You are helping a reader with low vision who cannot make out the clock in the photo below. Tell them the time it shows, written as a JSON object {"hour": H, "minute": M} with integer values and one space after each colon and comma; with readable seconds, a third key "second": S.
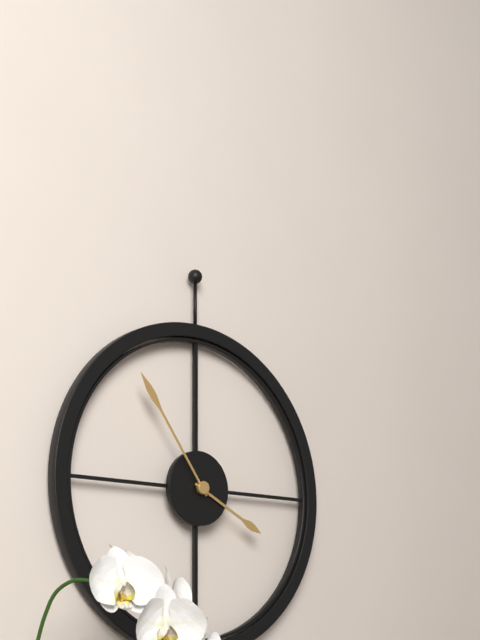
{"hour": 3, "minute": 54}
